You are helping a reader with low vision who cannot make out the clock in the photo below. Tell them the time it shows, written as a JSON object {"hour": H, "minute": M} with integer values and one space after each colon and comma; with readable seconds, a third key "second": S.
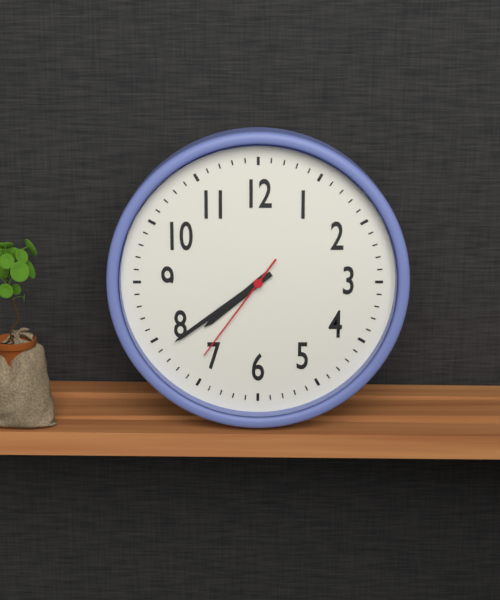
{"hour": 7, "minute": 39, "second": 36}
